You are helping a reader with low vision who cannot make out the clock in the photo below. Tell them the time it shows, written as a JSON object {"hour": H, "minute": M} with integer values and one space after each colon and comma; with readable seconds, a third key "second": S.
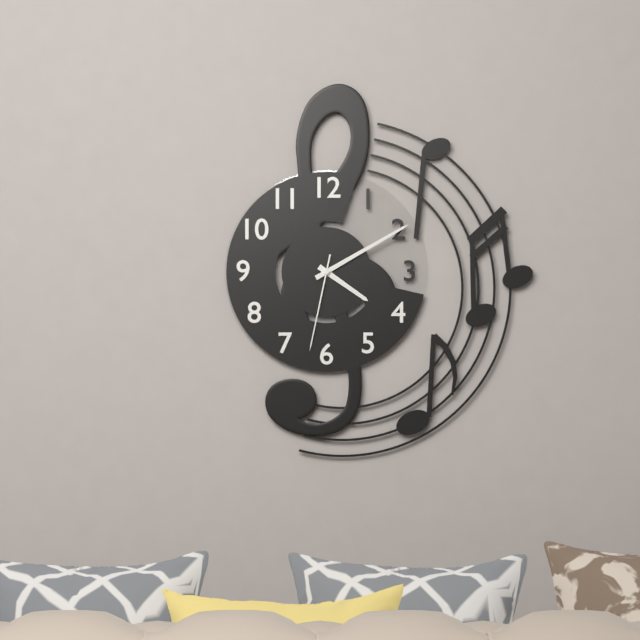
{"hour": 4, "minute": 10, "second": 32}
